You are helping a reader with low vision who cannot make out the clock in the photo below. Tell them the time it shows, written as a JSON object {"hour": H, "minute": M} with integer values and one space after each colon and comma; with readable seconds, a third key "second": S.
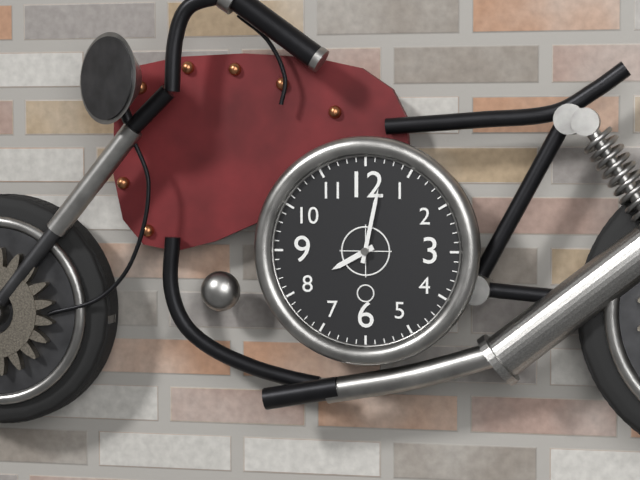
{"hour": 8, "minute": 2}
